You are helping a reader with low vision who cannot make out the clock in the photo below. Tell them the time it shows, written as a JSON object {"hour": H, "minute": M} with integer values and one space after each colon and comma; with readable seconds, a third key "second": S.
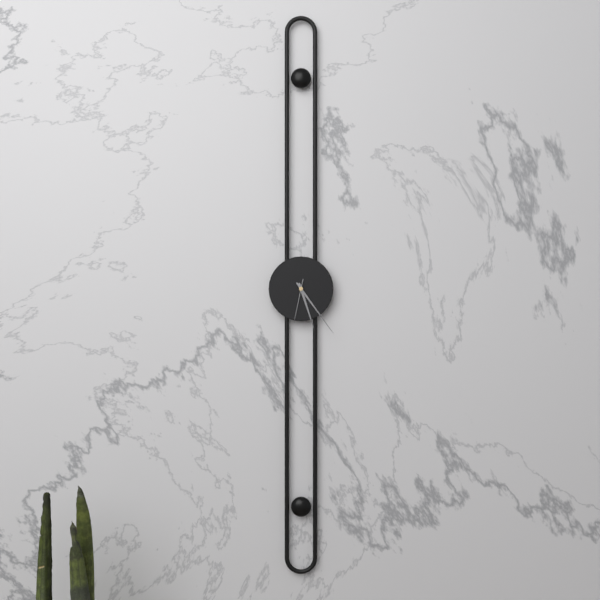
{"hour": 5, "minute": 24}
